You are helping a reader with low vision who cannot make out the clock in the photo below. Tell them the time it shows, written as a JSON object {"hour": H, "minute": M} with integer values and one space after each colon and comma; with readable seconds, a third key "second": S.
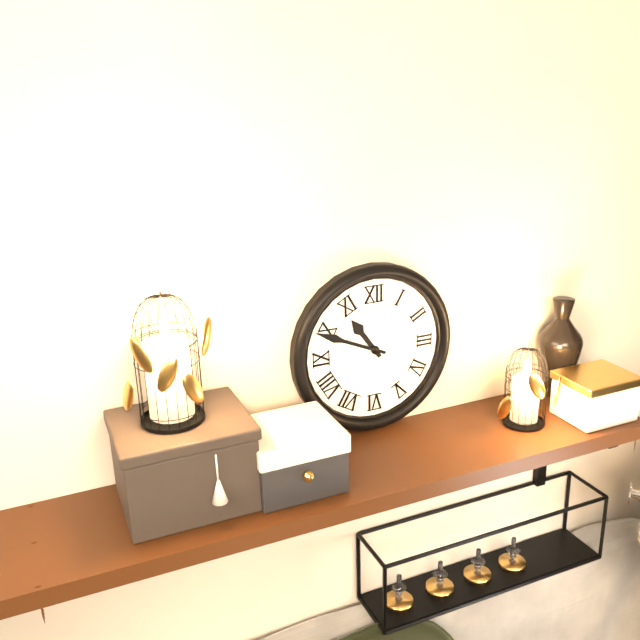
{"hour": 10, "minute": 49}
